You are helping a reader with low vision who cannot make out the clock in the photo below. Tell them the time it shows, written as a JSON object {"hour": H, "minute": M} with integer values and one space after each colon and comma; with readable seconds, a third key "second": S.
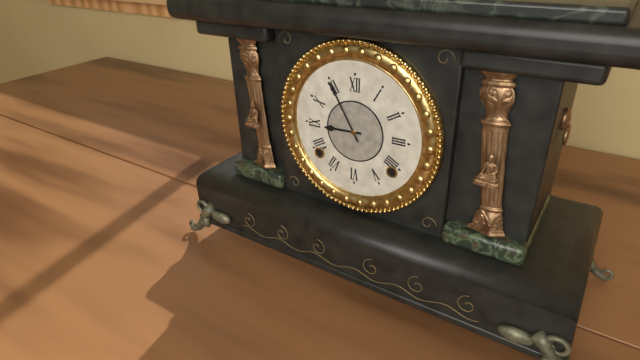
{"hour": 8, "minute": 55}
